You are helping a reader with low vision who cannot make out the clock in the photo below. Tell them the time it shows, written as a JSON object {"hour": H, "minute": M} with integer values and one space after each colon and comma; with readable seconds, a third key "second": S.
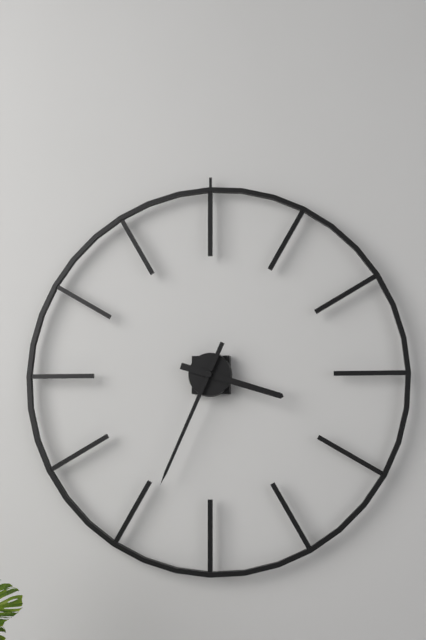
{"hour": 3, "minute": 34}
